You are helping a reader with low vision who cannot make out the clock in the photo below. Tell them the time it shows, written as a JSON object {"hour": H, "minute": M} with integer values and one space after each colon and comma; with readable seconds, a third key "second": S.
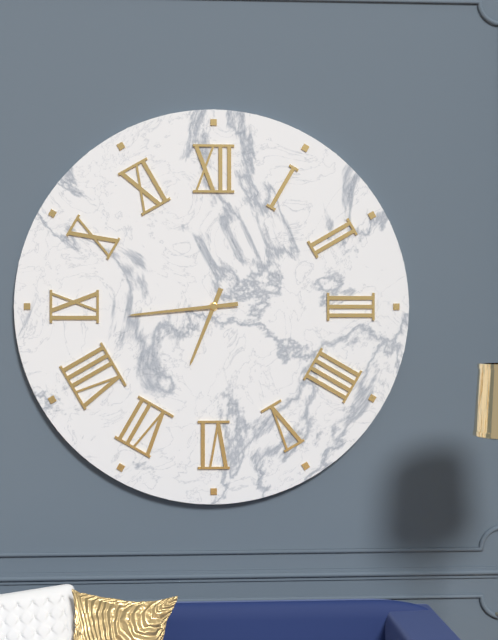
{"hour": 6, "minute": 44}
